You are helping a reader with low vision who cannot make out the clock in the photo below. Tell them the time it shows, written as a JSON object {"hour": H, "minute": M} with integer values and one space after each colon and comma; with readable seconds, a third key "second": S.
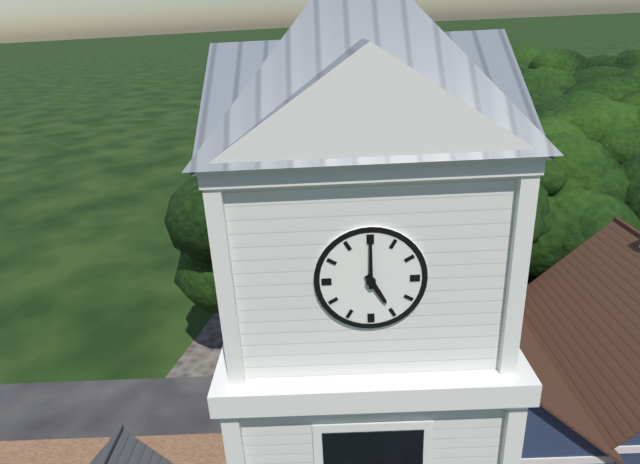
{"hour": 5, "minute": 0}
